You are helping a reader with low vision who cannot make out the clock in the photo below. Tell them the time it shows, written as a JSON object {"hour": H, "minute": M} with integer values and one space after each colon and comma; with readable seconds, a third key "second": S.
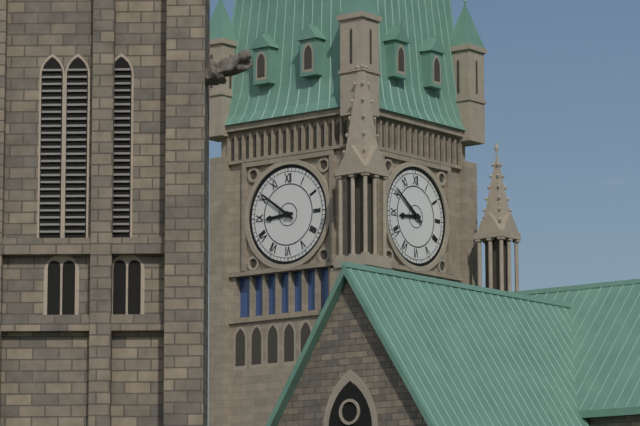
{"hour": 8, "minute": 51}
